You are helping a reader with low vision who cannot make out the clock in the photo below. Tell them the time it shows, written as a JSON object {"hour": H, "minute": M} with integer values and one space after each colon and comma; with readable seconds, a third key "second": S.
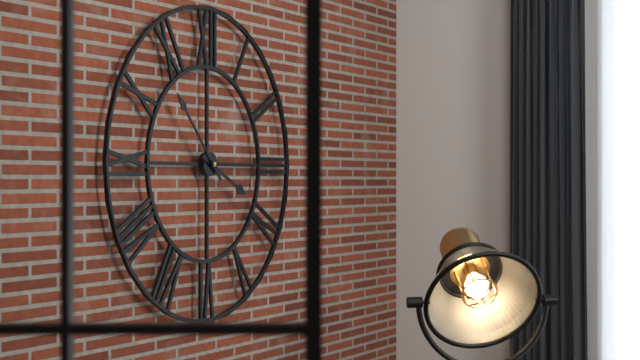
{"hour": 3, "minute": 53}
